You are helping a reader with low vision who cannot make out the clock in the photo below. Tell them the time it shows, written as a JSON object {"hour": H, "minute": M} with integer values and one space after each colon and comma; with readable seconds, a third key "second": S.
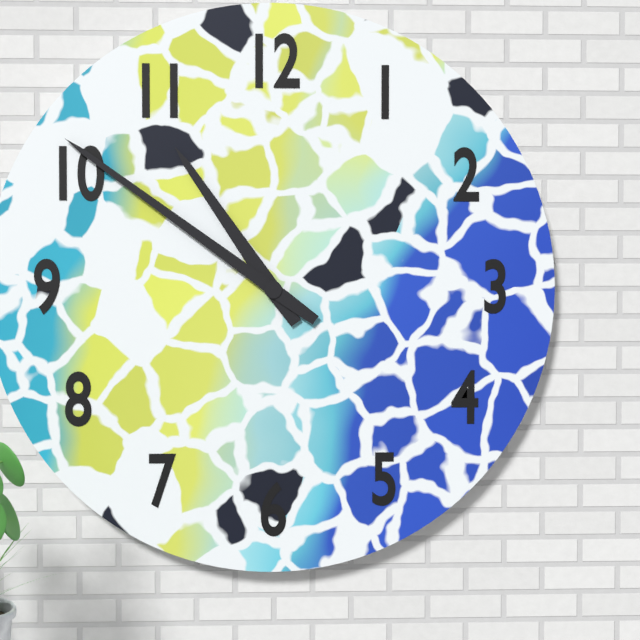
{"hour": 10, "minute": 51}
